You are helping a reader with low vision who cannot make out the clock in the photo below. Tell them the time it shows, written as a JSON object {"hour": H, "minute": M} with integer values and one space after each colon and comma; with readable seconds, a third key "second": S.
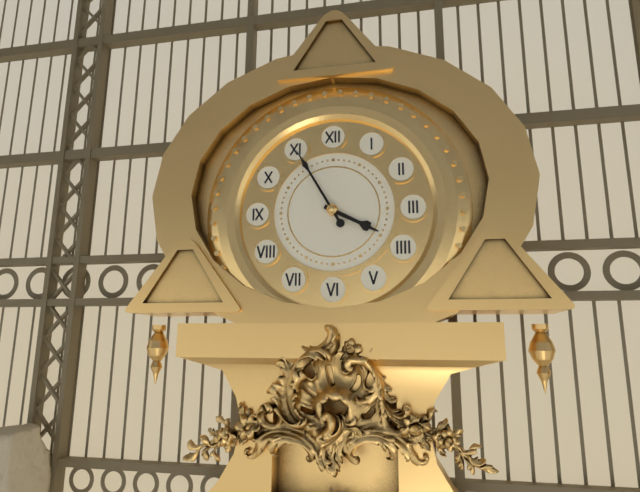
{"hour": 3, "minute": 55}
